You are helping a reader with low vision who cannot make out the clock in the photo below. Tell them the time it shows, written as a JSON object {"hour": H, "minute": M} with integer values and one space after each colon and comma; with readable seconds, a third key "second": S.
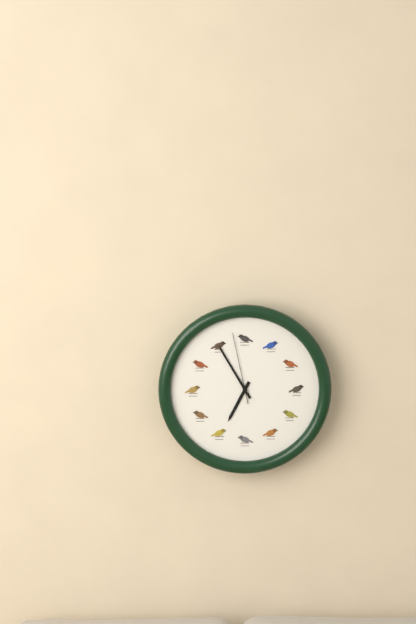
{"hour": 6, "minute": 55, "second": 58}
